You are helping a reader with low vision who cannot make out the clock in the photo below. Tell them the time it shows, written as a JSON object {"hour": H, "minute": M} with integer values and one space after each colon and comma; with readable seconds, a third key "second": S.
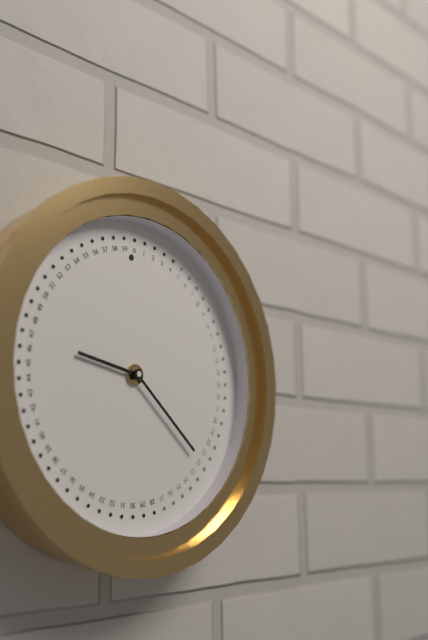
{"hour": 9, "minute": 22}
